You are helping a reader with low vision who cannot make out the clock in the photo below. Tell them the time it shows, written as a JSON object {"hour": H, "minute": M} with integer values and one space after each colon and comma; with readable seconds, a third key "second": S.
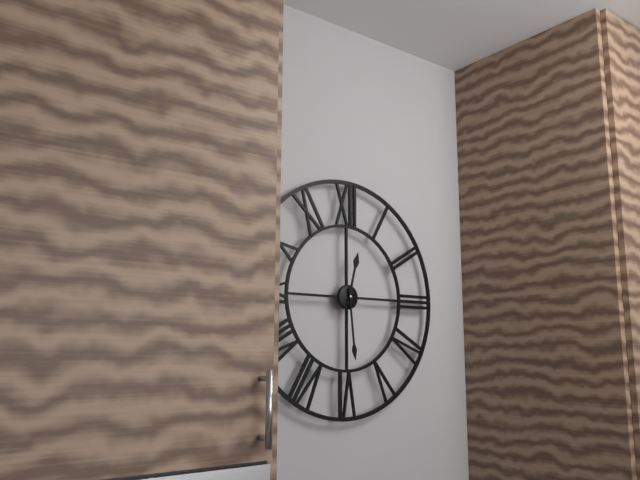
{"hour": 12, "minute": 29}
